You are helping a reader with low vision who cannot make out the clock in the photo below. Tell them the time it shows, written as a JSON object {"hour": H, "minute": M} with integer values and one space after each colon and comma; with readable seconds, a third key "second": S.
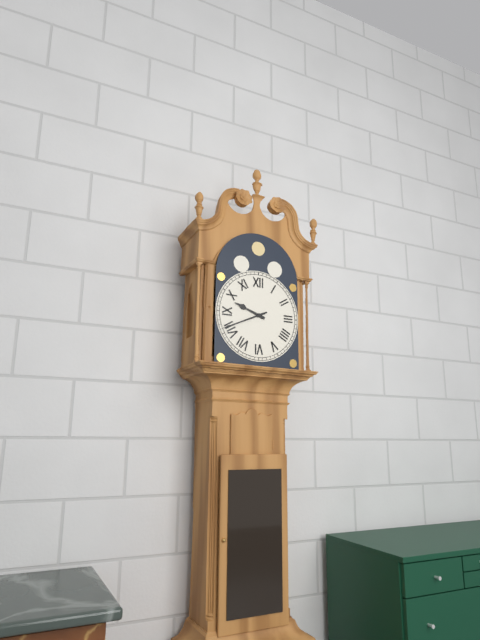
{"hour": 9, "minute": 41}
